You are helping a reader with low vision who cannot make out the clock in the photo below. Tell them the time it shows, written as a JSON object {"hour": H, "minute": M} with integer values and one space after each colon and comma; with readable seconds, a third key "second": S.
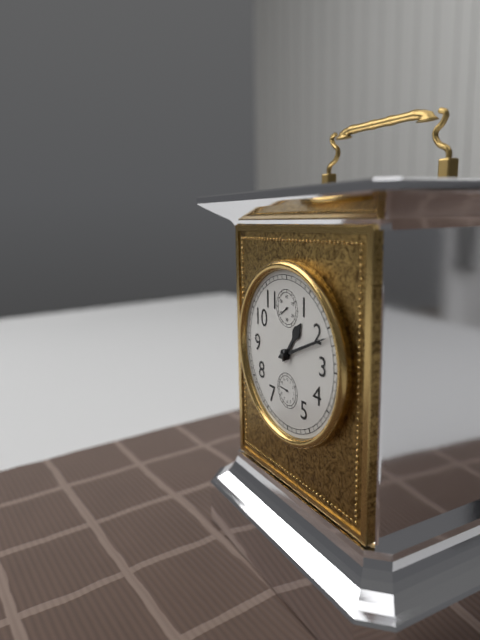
{"hour": 1, "minute": 11}
